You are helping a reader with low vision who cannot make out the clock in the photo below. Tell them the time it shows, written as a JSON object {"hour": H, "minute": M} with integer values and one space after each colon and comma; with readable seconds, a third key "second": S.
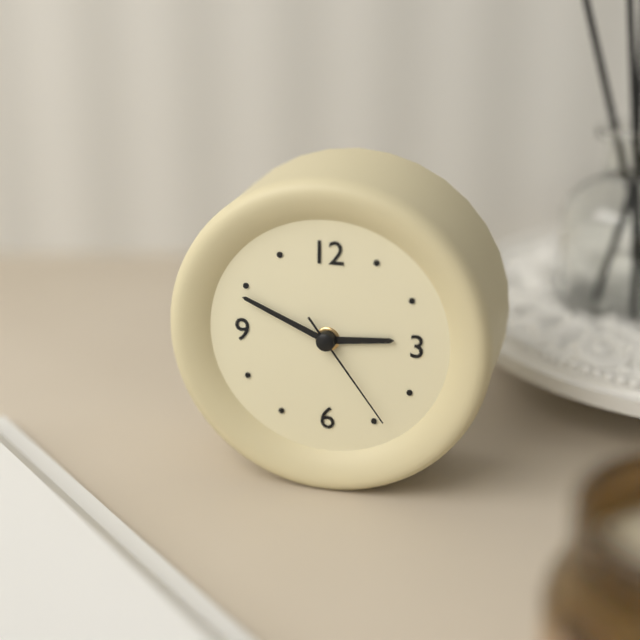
{"hour": 2, "minute": 49, "second": 24}
